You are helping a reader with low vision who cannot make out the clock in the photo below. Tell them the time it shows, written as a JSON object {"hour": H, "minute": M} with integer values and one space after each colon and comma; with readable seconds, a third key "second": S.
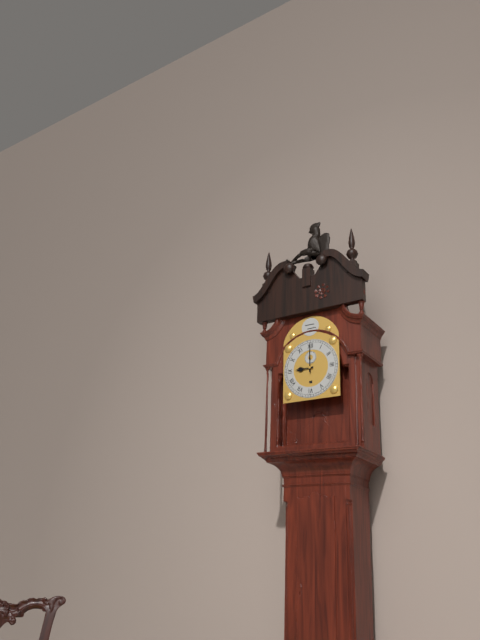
{"hour": 9, "minute": 0}
